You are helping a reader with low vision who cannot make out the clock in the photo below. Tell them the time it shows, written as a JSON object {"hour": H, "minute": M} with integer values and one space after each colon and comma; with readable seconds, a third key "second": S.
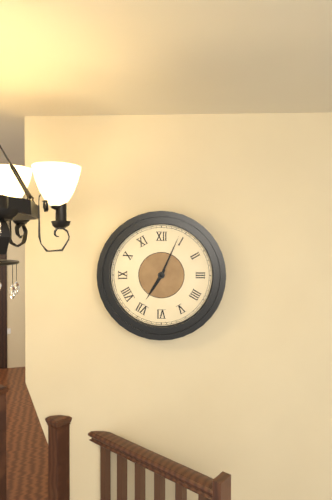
{"hour": 7, "minute": 4}
